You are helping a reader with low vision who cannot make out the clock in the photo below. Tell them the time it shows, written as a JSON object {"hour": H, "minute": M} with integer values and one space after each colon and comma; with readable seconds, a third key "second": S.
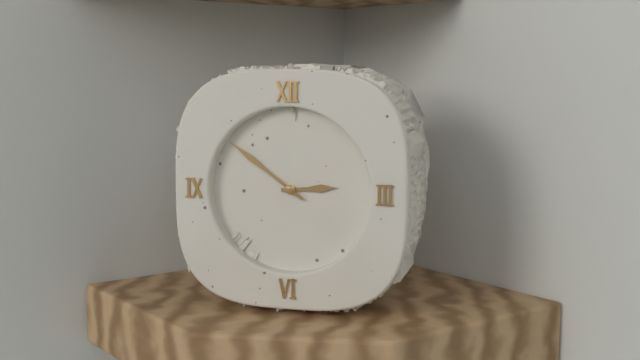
{"hour": 2, "minute": 51}
